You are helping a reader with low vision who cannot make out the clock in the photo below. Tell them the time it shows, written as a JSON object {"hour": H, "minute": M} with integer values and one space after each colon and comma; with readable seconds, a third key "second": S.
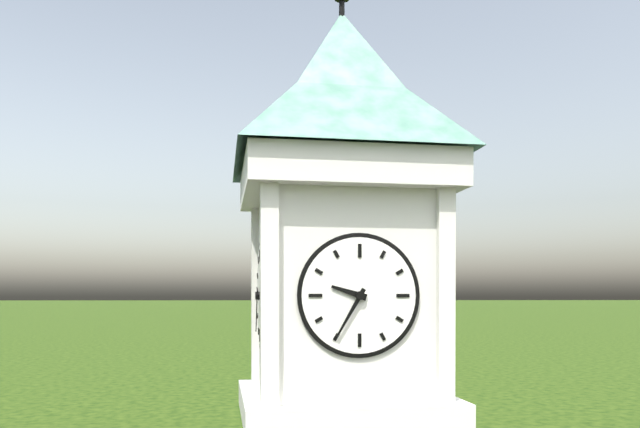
{"hour": 9, "minute": 35}
